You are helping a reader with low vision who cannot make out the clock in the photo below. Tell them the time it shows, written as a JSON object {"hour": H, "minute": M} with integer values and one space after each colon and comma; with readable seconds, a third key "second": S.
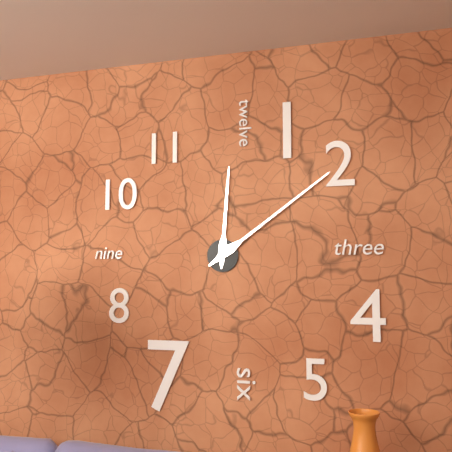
{"hour": 12, "minute": 9}
